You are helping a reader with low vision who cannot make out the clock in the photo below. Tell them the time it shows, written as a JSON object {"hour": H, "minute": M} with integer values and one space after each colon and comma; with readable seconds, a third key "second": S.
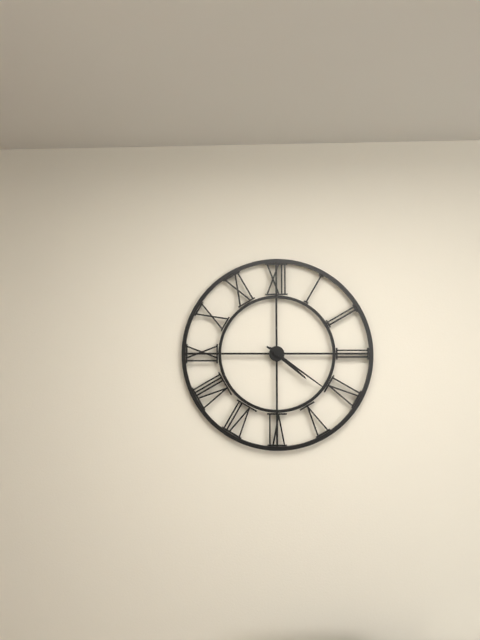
{"hour": 4, "minute": 21}
